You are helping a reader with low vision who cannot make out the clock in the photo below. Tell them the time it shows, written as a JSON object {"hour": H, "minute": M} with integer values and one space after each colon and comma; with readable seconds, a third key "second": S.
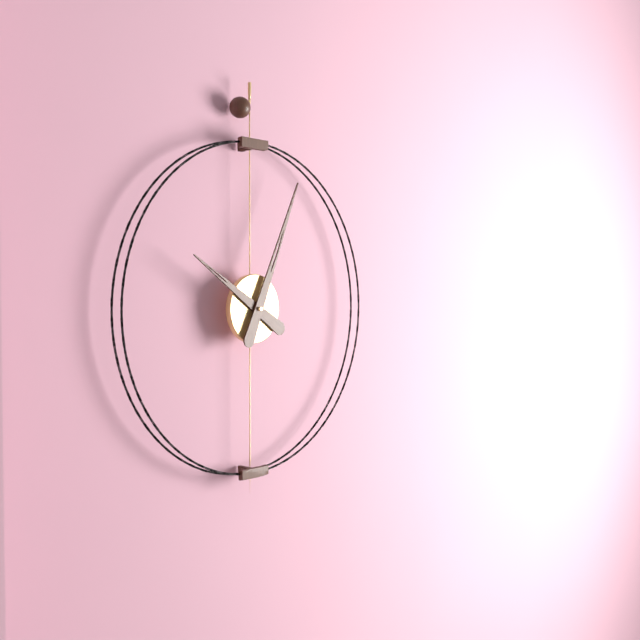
{"hour": 10, "minute": 4}
